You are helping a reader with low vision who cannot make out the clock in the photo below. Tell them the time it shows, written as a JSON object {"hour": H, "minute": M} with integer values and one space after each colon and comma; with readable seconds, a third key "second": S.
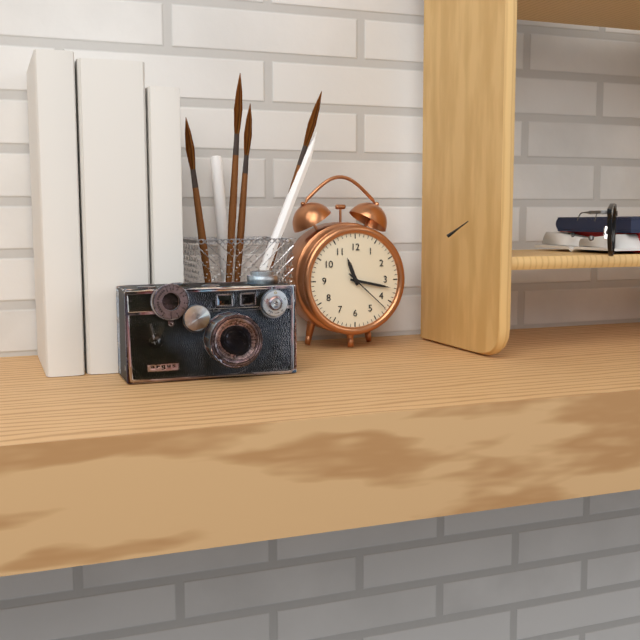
{"hour": 11, "minute": 17}
